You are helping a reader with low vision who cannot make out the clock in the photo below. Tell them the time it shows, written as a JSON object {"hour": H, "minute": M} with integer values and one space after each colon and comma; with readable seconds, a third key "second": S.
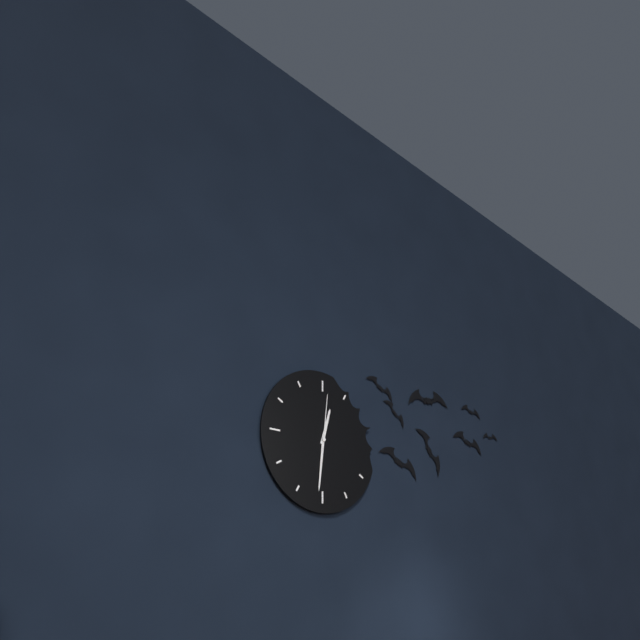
{"hour": 12, "minute": 31, "second": 1}
